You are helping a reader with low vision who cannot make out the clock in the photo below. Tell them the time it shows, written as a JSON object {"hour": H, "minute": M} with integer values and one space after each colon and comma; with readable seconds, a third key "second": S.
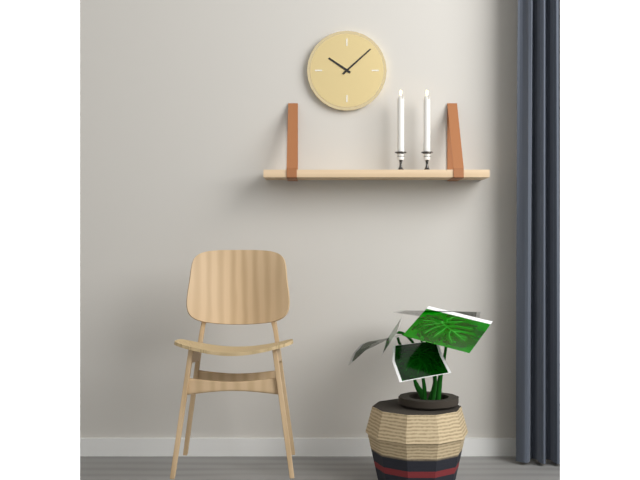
{"hour": 10, "minute": 8}
